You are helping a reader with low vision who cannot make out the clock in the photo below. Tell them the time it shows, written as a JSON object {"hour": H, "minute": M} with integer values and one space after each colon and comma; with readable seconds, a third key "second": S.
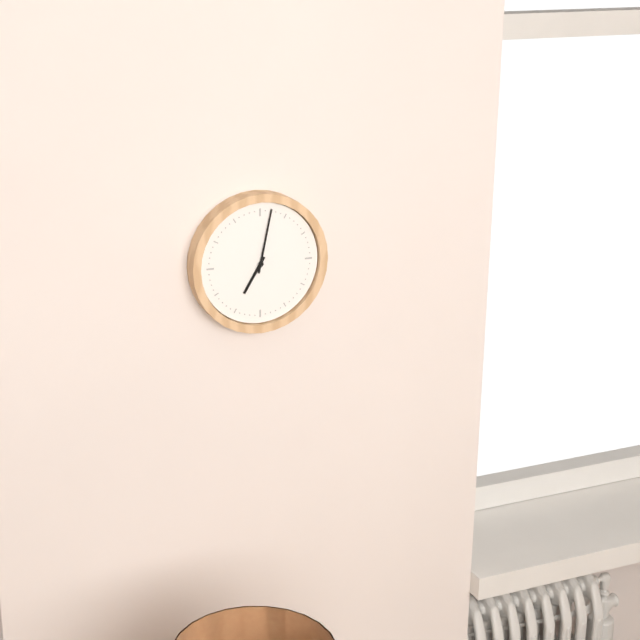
{"hour": 7, "minute": 2}
